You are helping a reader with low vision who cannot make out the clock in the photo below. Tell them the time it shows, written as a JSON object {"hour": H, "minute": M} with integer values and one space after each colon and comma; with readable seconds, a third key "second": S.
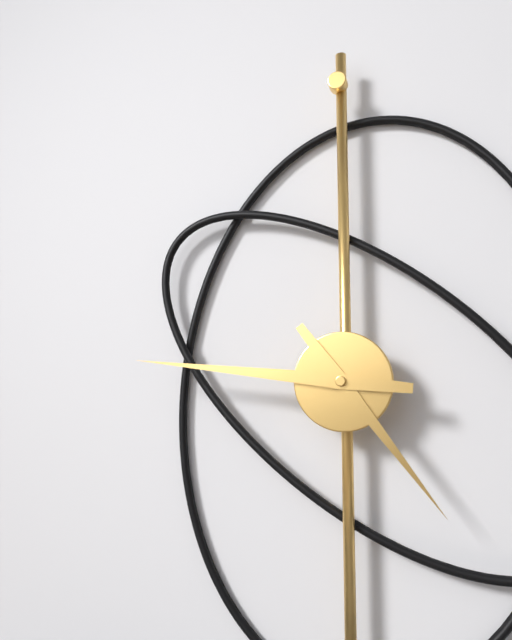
{"hour": 4, "minute": 46}
